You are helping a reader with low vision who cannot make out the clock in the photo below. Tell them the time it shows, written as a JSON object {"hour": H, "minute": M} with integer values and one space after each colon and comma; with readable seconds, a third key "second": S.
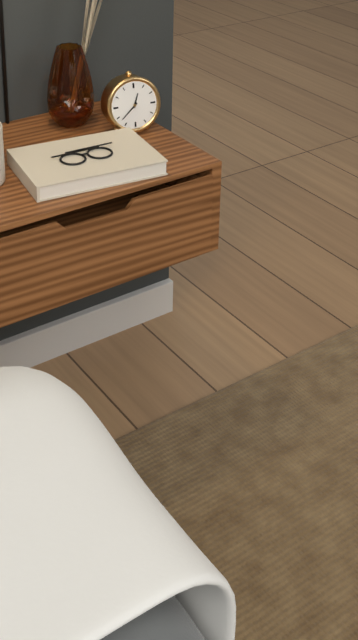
{"hour": 12, "minute": 38}
